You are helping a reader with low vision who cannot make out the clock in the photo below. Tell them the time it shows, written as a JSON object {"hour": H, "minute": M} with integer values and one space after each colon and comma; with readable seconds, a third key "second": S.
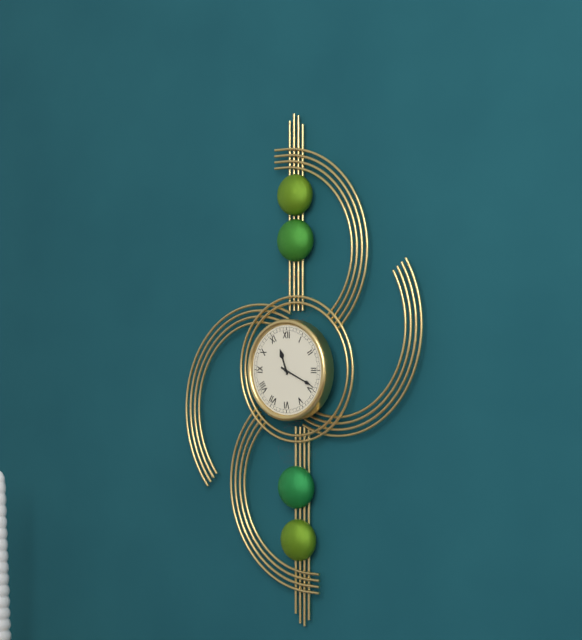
{"hour": 11, "minute": 19}
